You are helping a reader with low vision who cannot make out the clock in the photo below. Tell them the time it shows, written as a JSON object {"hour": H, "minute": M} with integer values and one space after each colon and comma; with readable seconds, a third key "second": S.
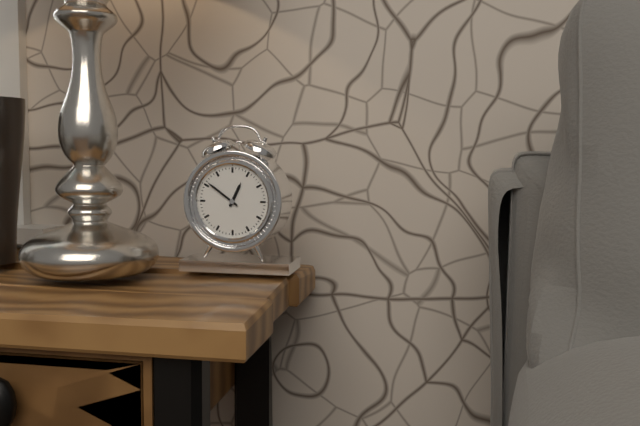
{"hour": 12, "minute": 51}
